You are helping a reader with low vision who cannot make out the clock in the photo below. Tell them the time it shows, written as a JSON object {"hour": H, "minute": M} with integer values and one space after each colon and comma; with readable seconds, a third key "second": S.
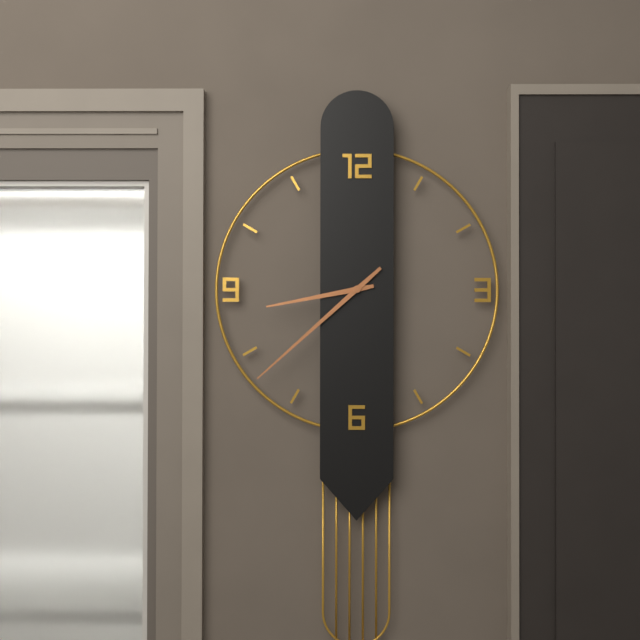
{"hour": 8, "minute": 38}
